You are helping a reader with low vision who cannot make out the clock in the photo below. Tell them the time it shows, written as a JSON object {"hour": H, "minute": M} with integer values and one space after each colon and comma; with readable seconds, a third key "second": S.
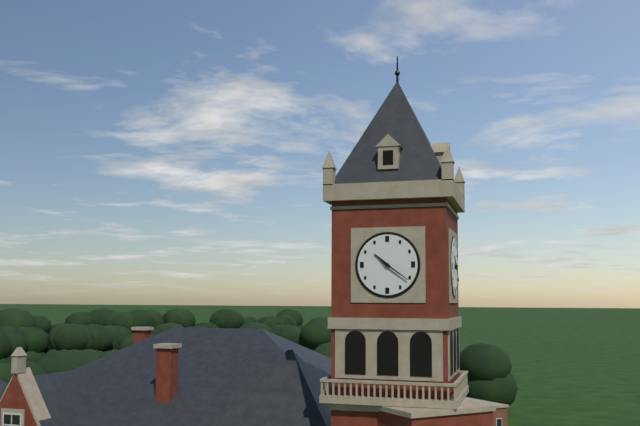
{"hour": 10, "minute": 21}
